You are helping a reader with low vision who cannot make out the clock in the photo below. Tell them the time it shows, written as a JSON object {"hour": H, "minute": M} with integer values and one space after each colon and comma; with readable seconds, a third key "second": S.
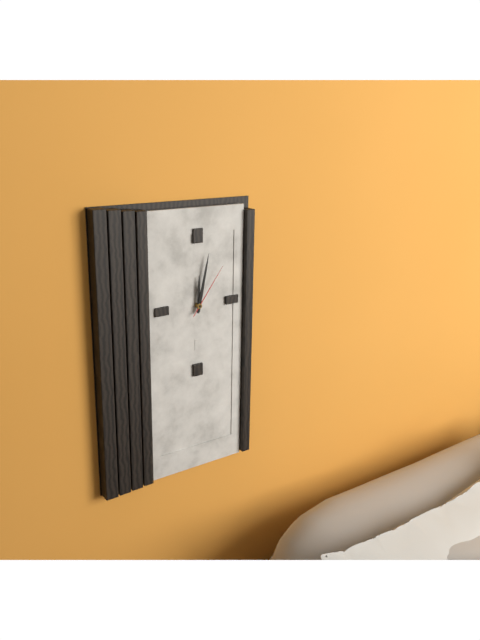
{"hour": 12, "minute": 2, "second": 6}
